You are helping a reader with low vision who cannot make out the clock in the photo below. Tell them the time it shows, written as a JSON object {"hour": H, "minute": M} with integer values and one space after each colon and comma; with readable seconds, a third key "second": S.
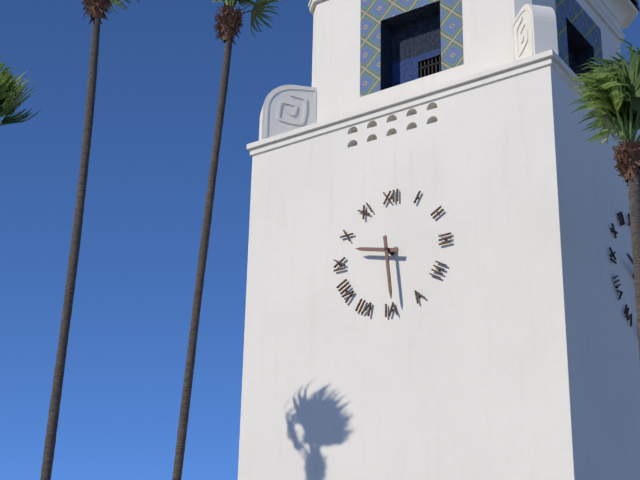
{"hour": 9, "minute": 29}
